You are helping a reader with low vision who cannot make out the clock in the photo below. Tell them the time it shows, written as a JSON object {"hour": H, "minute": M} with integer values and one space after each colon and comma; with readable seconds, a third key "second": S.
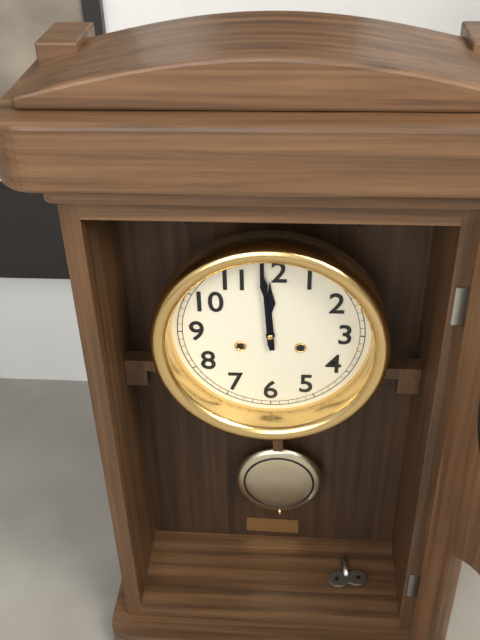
{"hour": 11, "minute": 59}
